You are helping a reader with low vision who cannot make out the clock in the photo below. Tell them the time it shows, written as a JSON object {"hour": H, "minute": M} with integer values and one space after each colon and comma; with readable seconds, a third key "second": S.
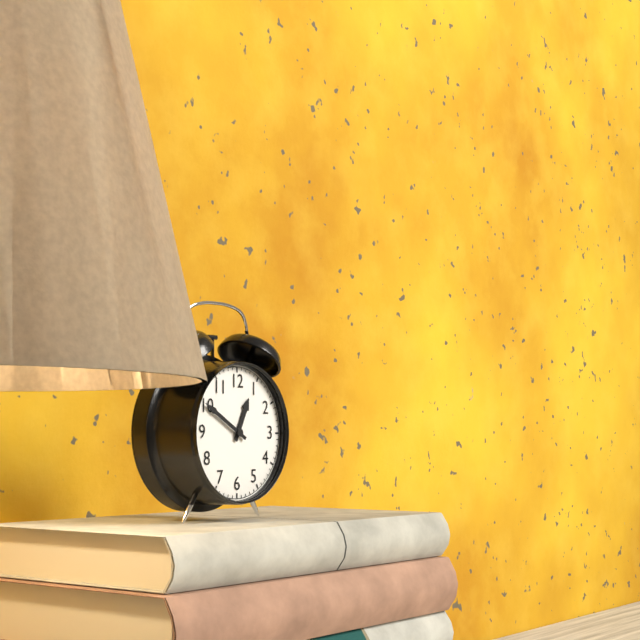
{"hour": 12, "minute": 50}
